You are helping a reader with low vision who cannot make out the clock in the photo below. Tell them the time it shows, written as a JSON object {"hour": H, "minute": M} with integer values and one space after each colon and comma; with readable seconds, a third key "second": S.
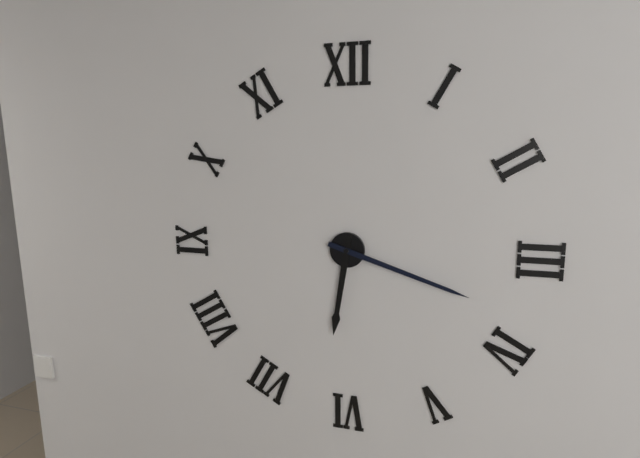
{"hour": 6, "minute": 18}
